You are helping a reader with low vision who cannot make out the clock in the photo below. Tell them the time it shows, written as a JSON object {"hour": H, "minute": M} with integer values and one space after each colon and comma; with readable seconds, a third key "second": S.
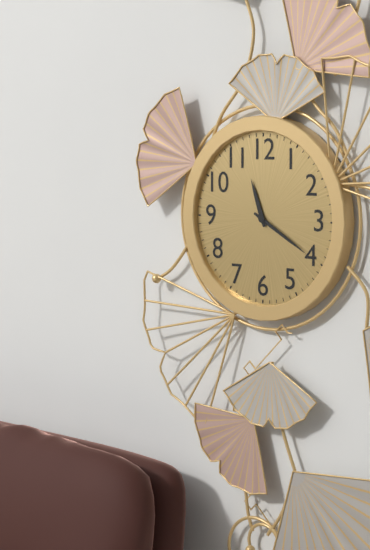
{"hour": 11, "minute": 20}
